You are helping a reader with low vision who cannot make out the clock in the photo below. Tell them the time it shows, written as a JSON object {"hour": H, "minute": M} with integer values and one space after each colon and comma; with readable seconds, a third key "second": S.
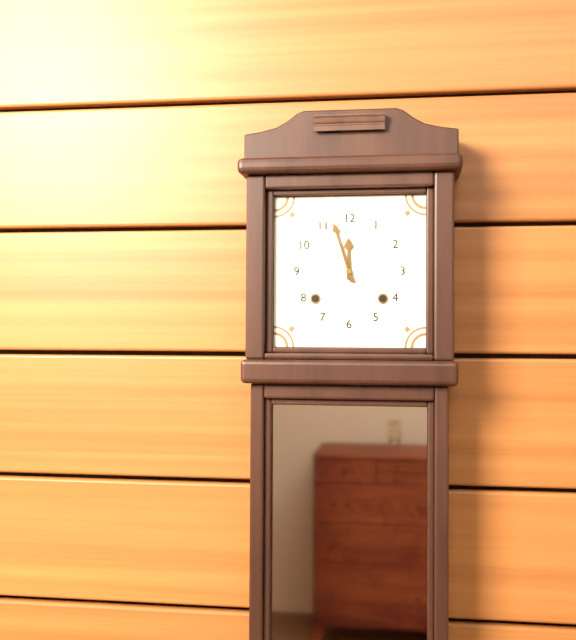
{"hour": 11, "minute": 57}
